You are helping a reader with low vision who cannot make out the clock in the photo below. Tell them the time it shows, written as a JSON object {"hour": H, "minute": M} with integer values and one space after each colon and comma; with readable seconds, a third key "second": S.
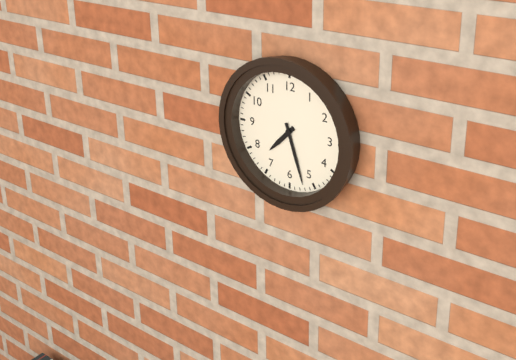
{"hour": 7, "minute": 27}
